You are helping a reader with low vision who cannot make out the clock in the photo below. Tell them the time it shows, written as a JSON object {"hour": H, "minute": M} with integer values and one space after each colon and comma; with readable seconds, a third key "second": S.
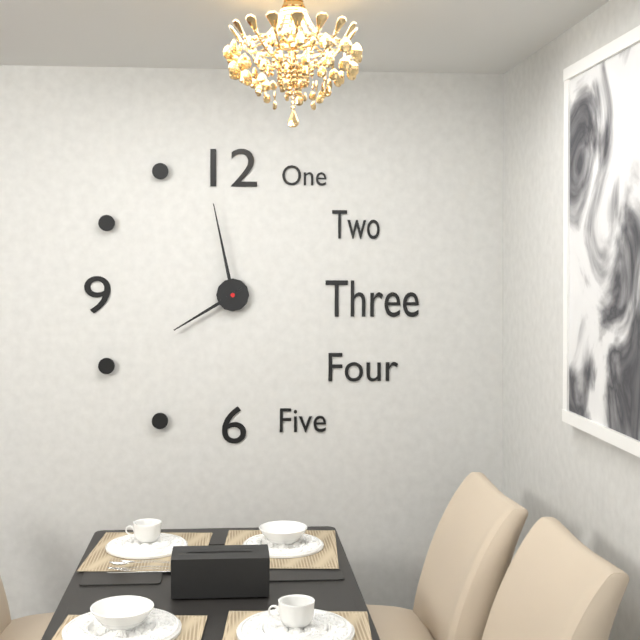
{"hour": 7, "minute": 58}
